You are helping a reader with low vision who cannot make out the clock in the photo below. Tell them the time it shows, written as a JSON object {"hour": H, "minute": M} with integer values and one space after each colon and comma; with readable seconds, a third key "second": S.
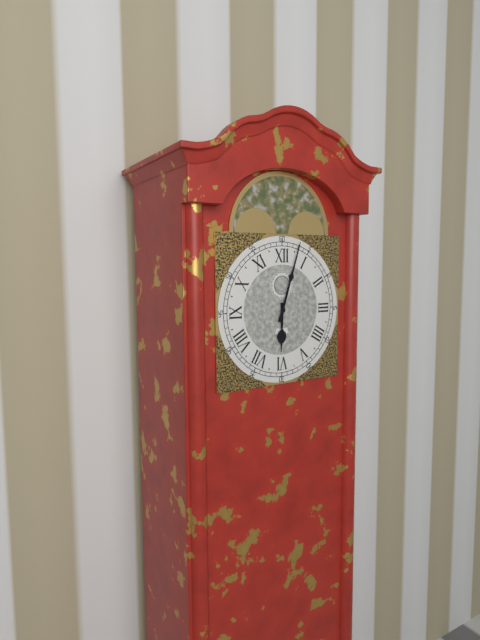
{"hour": 6, "minute": 3}
